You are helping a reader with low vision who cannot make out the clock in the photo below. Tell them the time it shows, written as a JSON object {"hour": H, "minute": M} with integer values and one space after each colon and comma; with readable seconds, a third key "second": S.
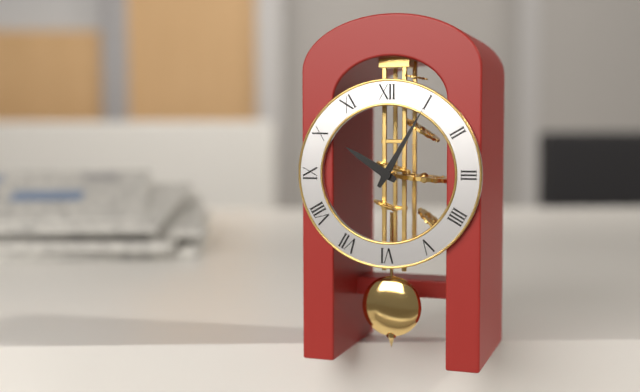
{"hour": 10, "minute": 5}
